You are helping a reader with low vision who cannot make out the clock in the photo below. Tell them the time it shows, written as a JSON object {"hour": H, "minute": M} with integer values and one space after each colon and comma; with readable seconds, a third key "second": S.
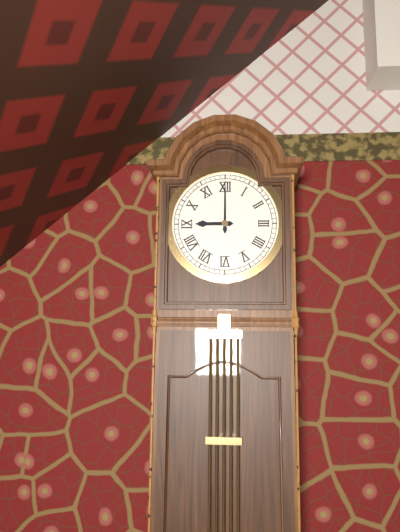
{"hour": 9, "minute": 0}
